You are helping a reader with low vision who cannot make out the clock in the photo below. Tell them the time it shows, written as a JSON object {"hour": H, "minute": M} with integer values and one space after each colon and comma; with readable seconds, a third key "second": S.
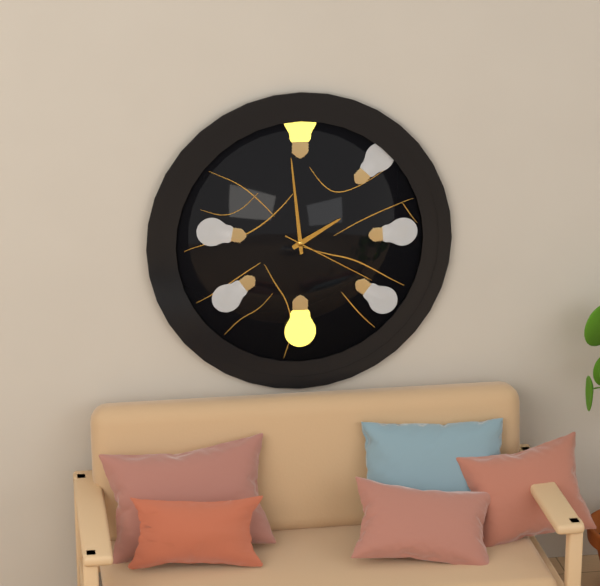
{"hour": 1, "minute": 59, "second": 20}
